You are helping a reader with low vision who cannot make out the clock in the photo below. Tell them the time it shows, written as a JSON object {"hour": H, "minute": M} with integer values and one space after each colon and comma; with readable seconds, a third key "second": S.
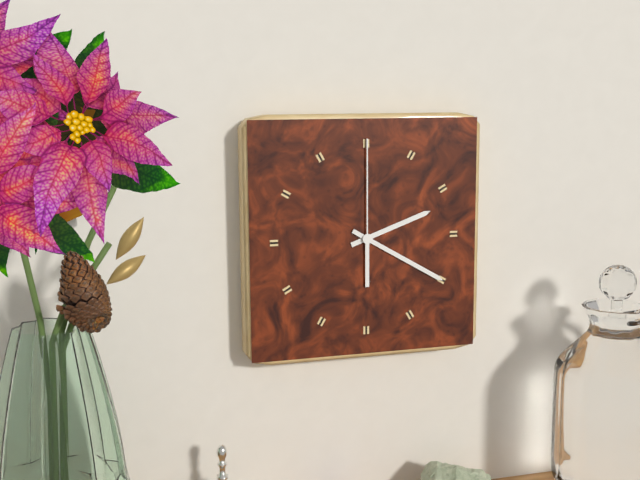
{"hour": 2, "minute": 20, "second": 0}
